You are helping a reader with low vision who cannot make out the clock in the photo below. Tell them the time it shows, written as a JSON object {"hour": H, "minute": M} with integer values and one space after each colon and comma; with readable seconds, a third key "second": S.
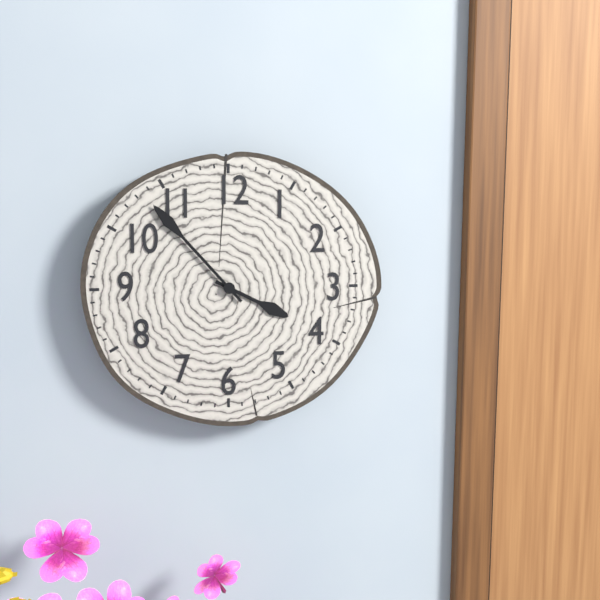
{"hour": 3, "minute": 53}
